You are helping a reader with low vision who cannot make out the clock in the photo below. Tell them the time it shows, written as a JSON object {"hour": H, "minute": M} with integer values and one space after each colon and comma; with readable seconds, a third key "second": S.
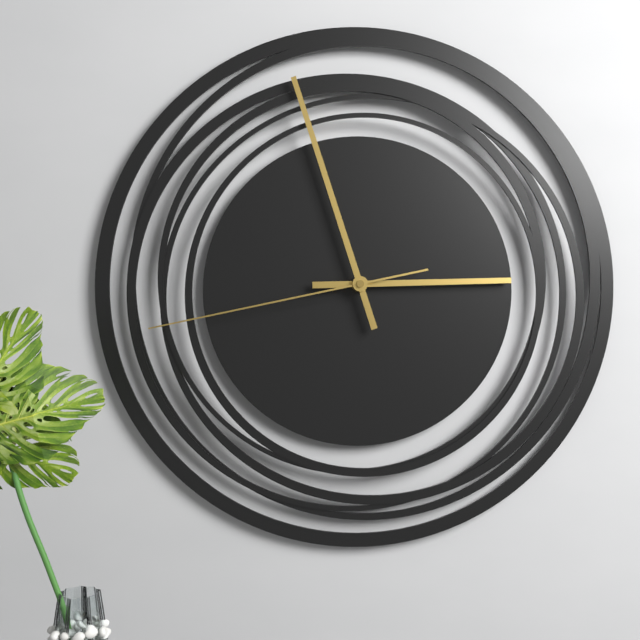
{"hour": 2, "minute": 57, "second": 43}
